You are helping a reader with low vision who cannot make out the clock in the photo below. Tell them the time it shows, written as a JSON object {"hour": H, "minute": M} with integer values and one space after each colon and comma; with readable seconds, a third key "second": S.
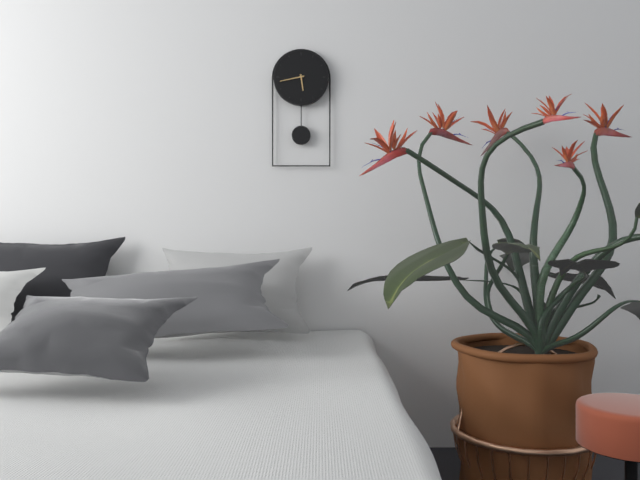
{"hour": 5, "minute": 43}
